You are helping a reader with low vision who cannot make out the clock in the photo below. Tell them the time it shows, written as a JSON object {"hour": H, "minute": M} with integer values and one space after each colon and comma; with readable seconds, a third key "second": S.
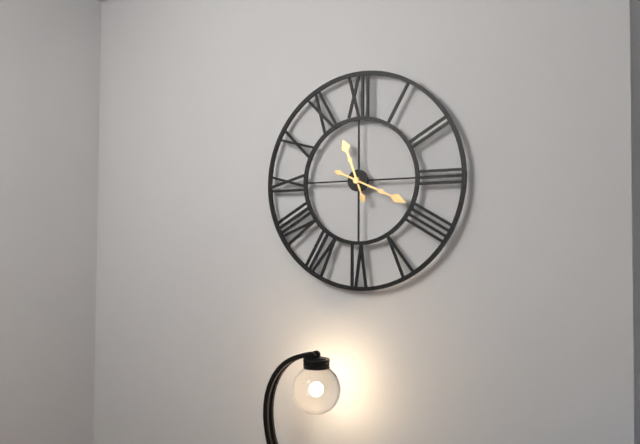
{"hour": 11, "minute": 19}
